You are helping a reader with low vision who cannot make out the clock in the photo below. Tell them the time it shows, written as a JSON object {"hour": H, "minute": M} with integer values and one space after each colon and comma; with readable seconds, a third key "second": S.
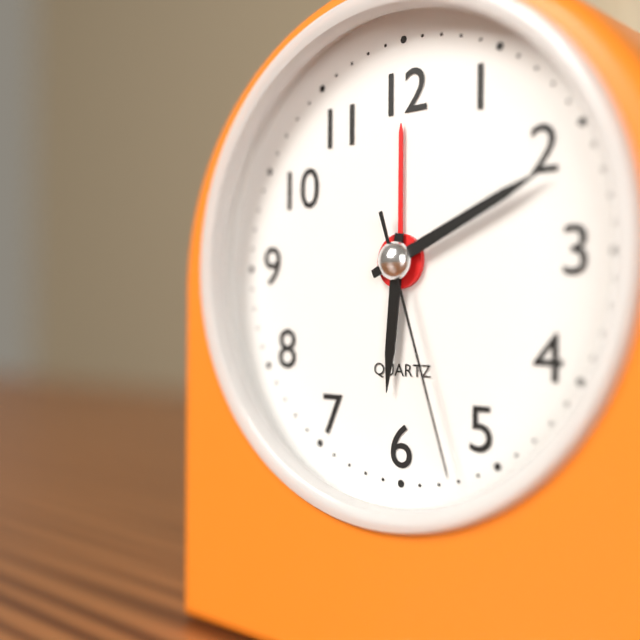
{"hour": 6, "minute": 11, "second": 27}
